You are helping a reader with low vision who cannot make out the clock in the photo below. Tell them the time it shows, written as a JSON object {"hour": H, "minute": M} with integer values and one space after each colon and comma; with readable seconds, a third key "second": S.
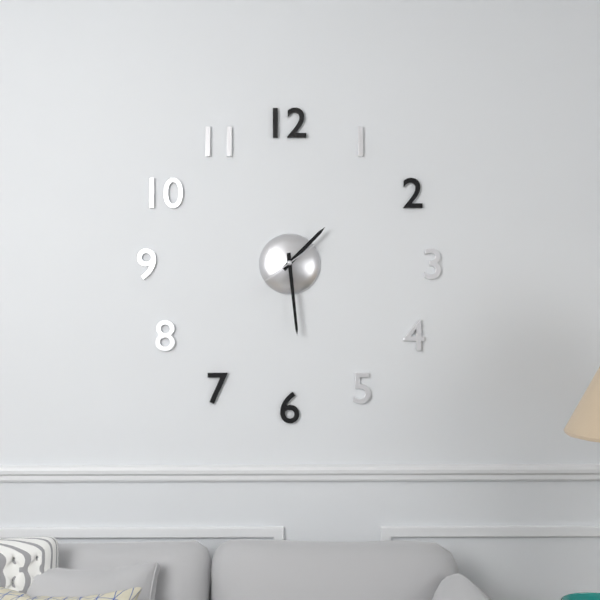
{"hour": 1, "minute": 29, "second": 39}
